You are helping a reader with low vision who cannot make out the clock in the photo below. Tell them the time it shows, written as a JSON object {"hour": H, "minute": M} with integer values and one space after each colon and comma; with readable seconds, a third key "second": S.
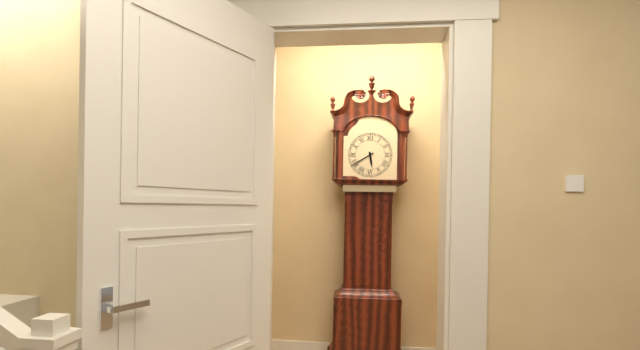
{"hour": 5, "minute": 40}
